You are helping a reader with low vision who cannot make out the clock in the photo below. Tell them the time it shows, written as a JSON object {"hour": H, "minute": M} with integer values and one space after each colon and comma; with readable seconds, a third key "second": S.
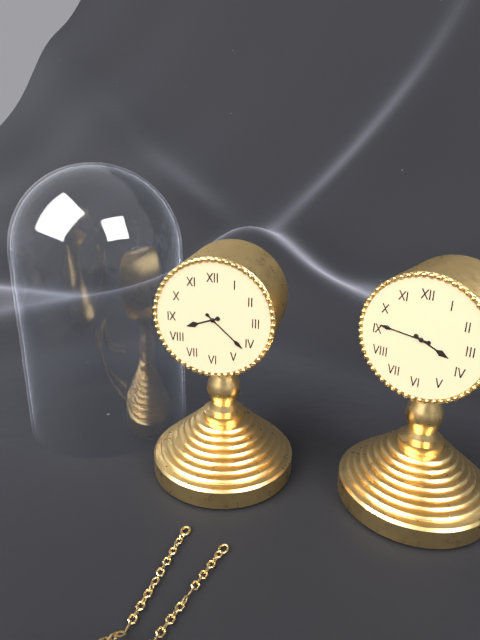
{"hour": 8, "minute": 22}
